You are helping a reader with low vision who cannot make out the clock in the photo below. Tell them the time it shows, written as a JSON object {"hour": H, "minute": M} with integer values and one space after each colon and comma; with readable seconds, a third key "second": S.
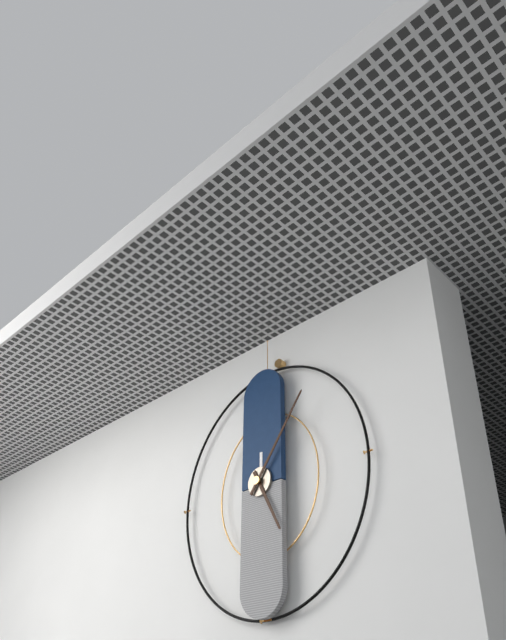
{"hour": 5, "minute": 6}
